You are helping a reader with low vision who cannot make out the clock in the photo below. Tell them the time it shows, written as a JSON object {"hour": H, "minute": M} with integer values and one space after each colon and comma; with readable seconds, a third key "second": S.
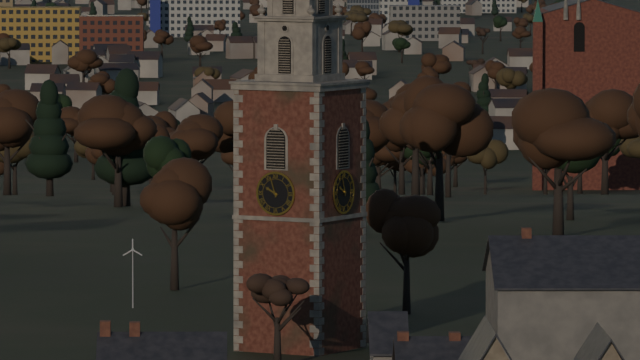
{"hour": 9, "minute": 57}
